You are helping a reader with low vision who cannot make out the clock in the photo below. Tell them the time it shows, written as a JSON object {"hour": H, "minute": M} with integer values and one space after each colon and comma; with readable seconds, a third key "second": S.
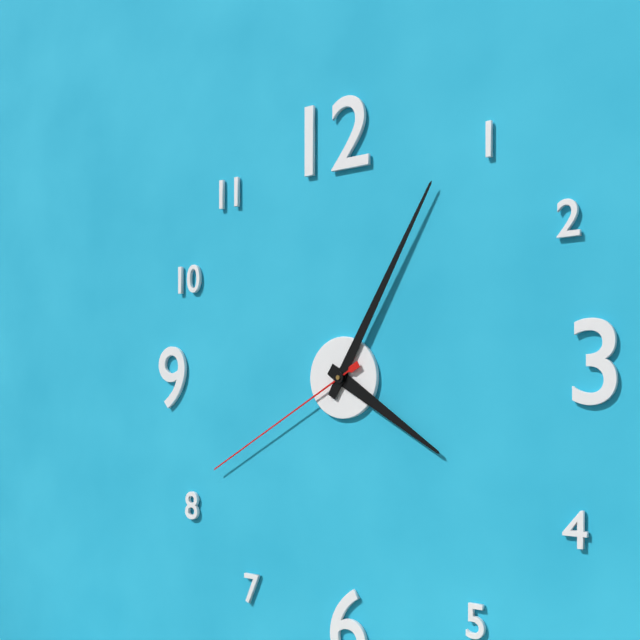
{"hour": 4, "minute": 5, "second": 40}
